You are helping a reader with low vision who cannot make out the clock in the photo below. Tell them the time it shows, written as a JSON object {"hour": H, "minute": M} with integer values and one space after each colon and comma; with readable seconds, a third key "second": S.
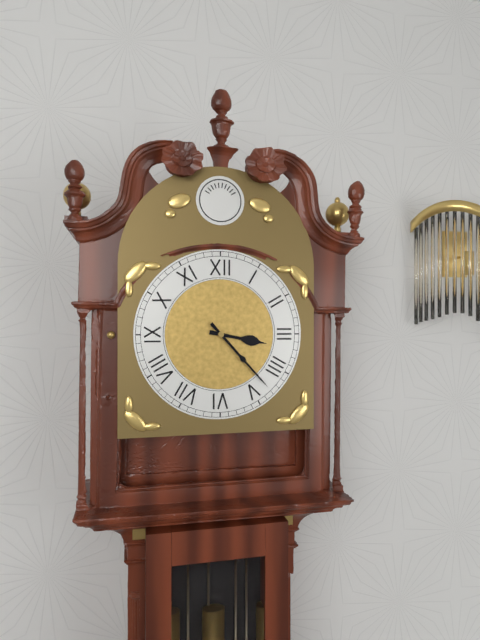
{"hour": 3, "minute": 23}
